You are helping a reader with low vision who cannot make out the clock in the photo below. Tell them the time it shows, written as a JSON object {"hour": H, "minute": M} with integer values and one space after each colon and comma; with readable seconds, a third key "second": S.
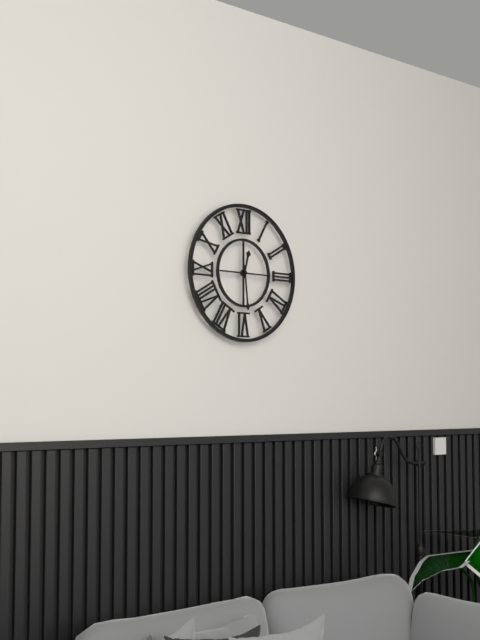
{"hour": 12, "minute": 29}
